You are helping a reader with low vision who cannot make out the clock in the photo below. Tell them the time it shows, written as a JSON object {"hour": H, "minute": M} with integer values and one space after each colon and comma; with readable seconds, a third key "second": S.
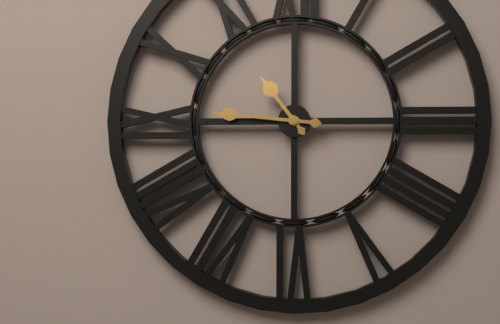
{"hour": 10, "minute": 46}
